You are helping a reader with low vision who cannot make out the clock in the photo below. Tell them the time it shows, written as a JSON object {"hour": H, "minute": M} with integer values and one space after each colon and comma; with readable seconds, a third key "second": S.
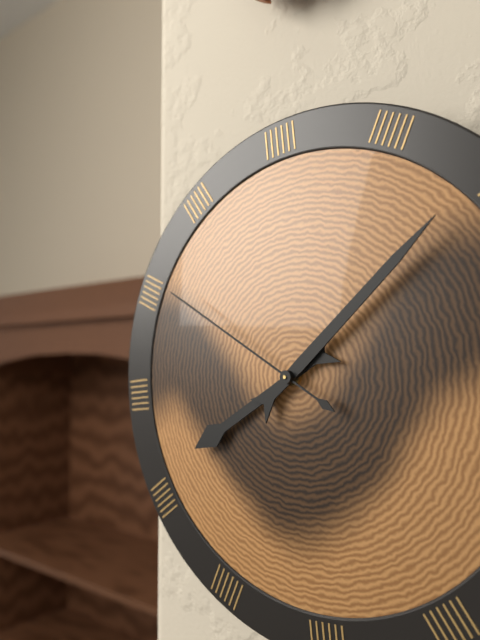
{"hour": 8, "minute": 9, "second": 51}
